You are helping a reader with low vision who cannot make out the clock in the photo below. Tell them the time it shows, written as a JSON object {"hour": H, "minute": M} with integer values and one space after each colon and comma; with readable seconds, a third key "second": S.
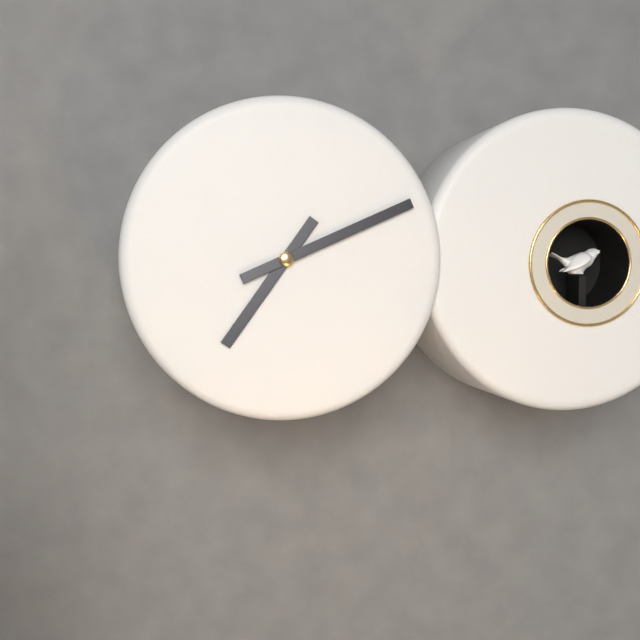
{"hour": 7, "minute": 11}
